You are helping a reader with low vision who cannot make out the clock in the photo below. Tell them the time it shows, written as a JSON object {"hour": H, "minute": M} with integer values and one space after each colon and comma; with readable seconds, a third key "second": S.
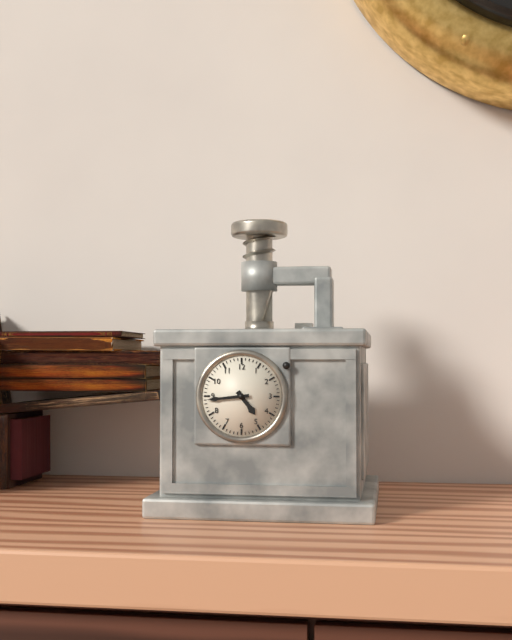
{"hour": 4, "minute": 44}
